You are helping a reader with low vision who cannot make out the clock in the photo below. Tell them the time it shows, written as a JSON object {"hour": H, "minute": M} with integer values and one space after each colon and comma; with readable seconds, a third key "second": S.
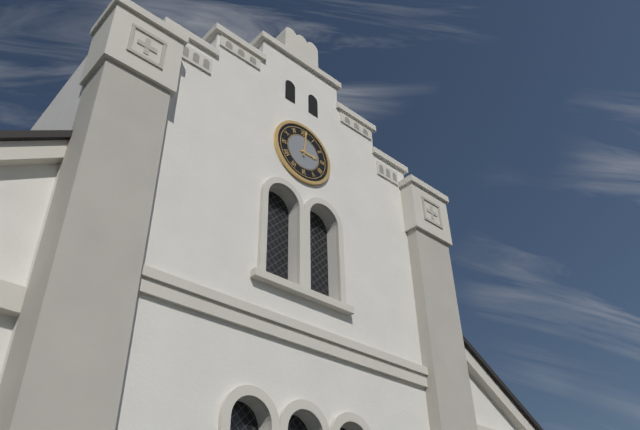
{"hour": 3, "minute": 1}
